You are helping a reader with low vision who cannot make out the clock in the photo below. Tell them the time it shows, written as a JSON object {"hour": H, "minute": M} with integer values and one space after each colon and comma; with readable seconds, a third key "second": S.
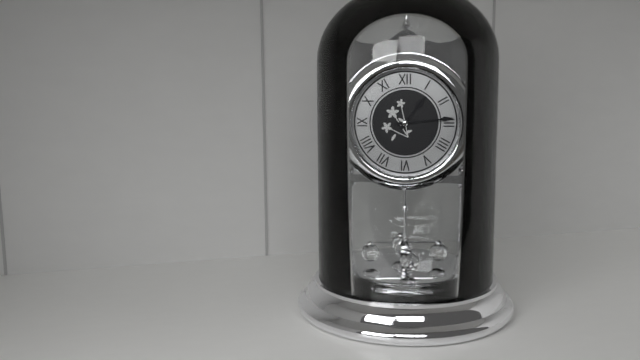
{"hour": 1, "minute": 14}
